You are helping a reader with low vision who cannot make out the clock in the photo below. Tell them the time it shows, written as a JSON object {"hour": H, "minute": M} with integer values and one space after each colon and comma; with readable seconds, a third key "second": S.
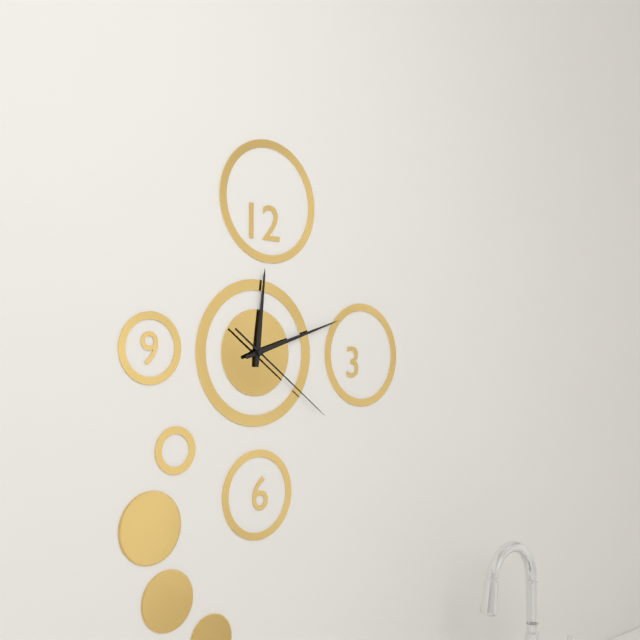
{"hour": 12, "minute": 12, "second": 21}
